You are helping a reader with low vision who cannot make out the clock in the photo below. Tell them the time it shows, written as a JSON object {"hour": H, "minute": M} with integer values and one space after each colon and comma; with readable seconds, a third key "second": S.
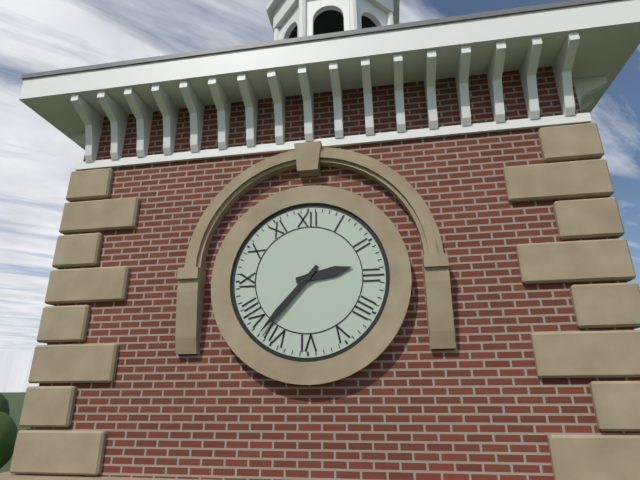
{"hour": 2, "minute": 37}
